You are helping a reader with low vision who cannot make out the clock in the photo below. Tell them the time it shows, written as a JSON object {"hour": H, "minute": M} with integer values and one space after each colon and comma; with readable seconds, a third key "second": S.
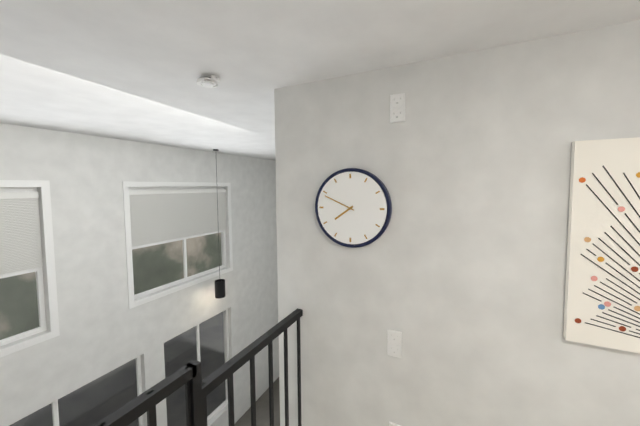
{"hour": 7, "minute": 49}
